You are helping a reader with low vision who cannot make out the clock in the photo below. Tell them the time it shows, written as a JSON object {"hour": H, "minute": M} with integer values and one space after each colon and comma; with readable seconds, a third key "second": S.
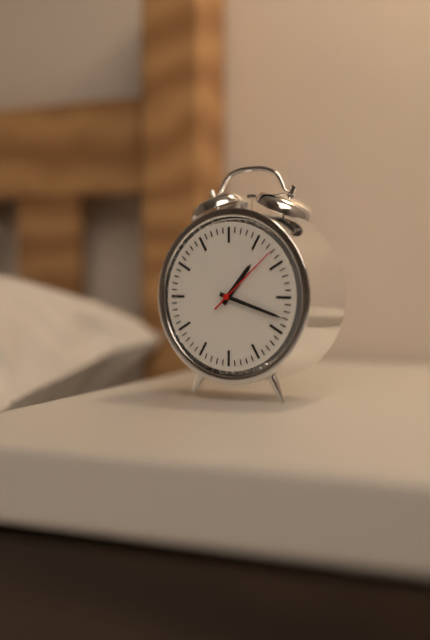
{"hour": 1, "minute": 18, "second": 8}
